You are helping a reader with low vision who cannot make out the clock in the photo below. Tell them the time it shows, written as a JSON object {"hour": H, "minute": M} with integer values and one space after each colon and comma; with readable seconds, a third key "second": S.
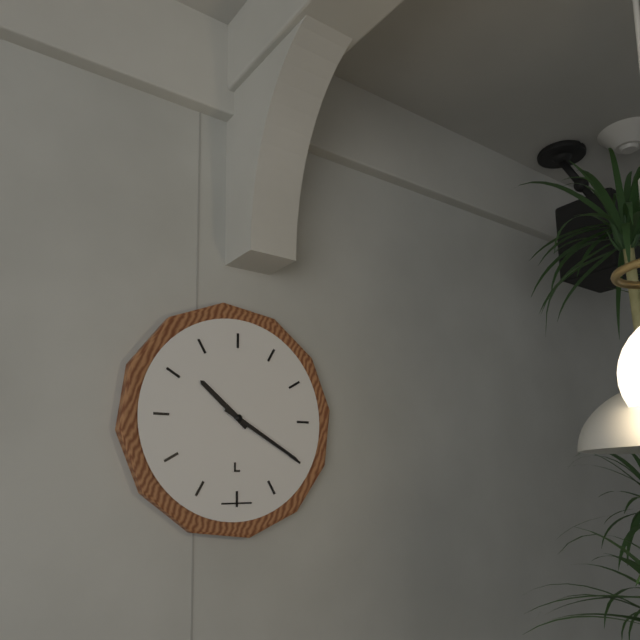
{"hour": 10, "minute": 20}
